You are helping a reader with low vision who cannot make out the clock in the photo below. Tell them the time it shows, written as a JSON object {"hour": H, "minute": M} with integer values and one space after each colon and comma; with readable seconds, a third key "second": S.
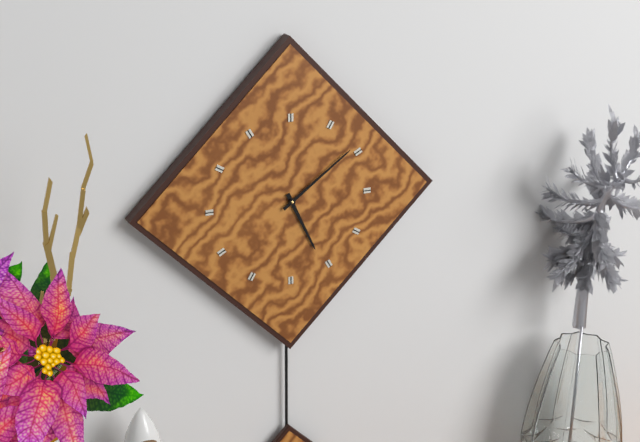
{"hour": 5, "minute": 9}
